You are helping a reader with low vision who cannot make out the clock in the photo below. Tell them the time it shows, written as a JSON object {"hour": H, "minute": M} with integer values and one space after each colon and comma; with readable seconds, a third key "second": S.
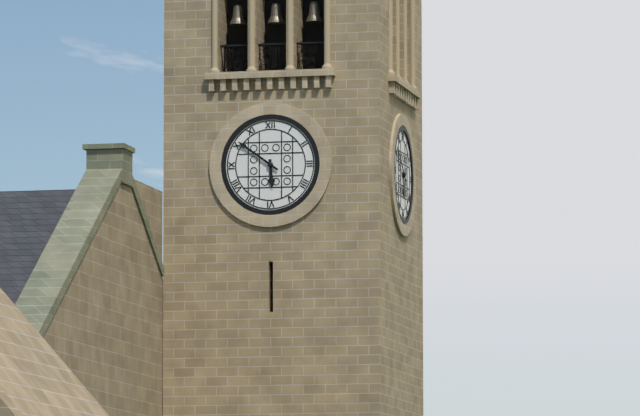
{"hour": 5, "minute": 51}
